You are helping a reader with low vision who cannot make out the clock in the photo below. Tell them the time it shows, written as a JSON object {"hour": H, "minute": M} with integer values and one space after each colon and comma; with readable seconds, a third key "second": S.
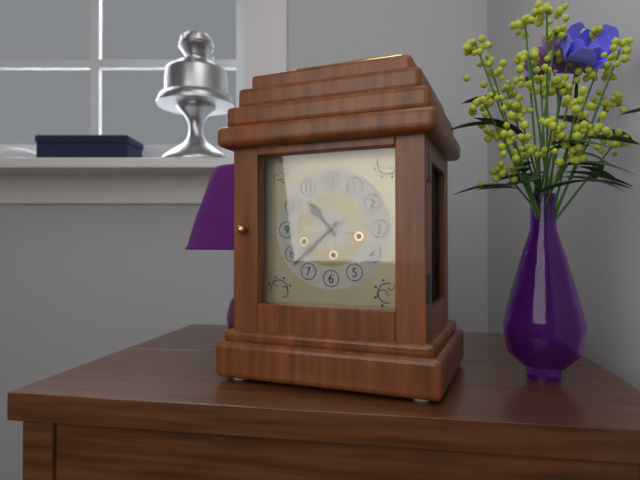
{"hour": 10, "minute": 38}
